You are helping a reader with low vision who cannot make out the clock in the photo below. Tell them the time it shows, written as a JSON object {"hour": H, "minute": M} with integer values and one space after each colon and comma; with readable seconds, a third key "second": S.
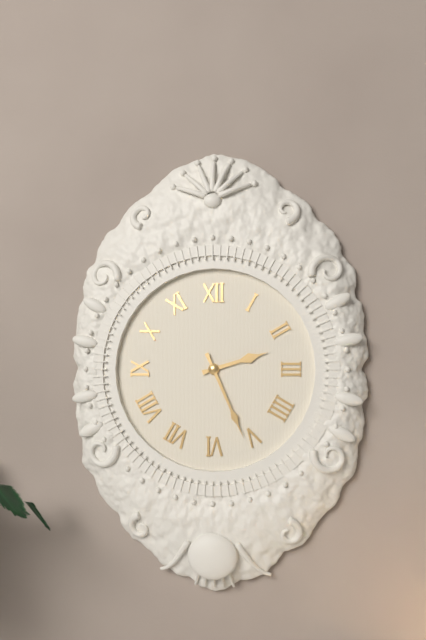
{"hour": 2, "minute": 26}
